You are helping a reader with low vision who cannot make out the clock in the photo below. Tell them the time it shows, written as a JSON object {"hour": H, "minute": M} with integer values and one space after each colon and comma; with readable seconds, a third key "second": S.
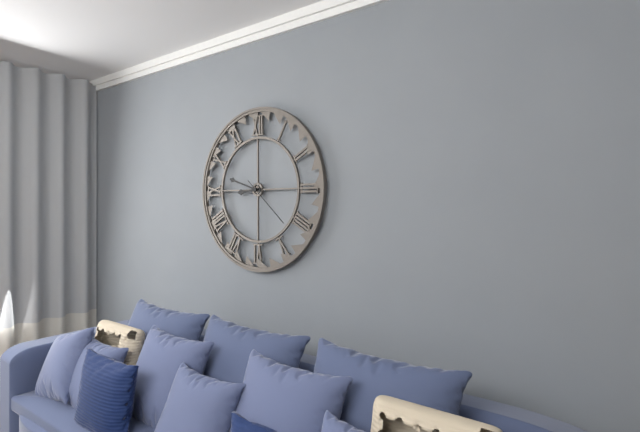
{"hour": 8, "minute": 48, "second": 22}
